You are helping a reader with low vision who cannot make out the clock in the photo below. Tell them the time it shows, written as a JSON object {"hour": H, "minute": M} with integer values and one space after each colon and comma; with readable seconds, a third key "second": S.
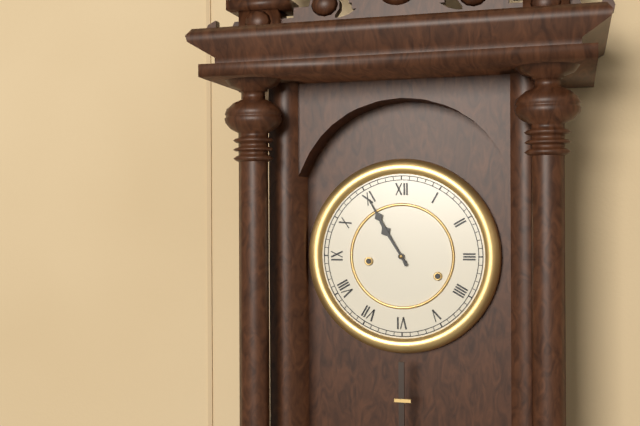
{"hour": 10, "minute": 55}
